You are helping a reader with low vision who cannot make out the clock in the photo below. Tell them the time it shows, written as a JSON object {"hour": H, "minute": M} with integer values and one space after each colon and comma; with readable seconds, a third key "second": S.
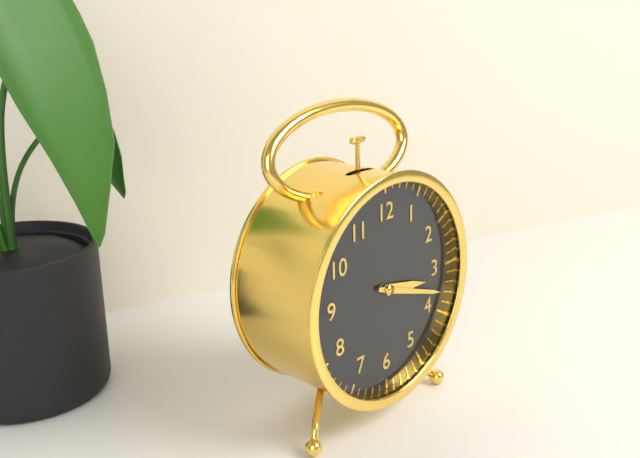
{"hour": 3, "minute": 18}
